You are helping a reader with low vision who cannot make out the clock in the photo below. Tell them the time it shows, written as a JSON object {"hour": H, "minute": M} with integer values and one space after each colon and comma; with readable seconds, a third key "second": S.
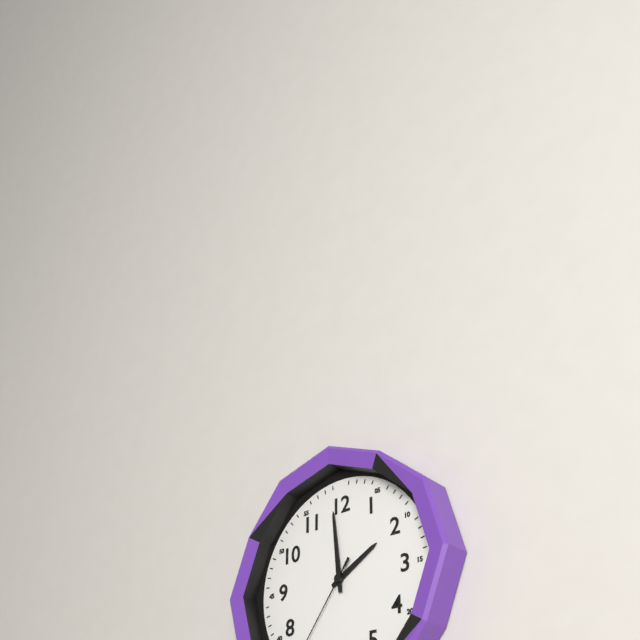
{"hour": 1, "minute": 59}
